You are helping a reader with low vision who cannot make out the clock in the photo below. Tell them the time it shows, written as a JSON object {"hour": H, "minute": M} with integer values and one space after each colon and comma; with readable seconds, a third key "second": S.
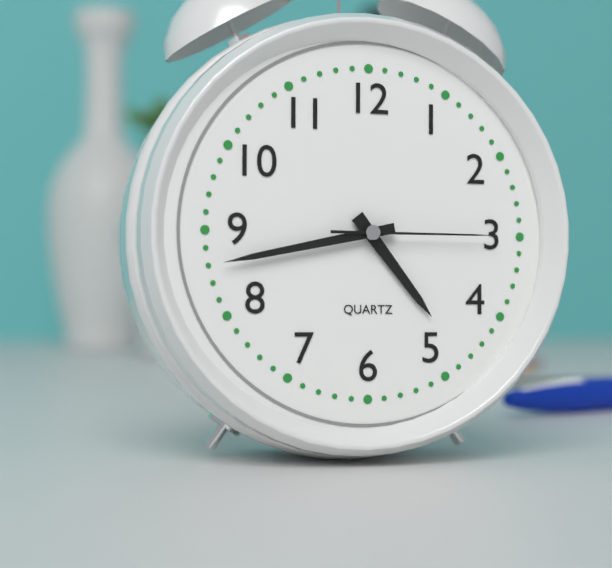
{"hour": 4, "minute": 43, "second": 15}
